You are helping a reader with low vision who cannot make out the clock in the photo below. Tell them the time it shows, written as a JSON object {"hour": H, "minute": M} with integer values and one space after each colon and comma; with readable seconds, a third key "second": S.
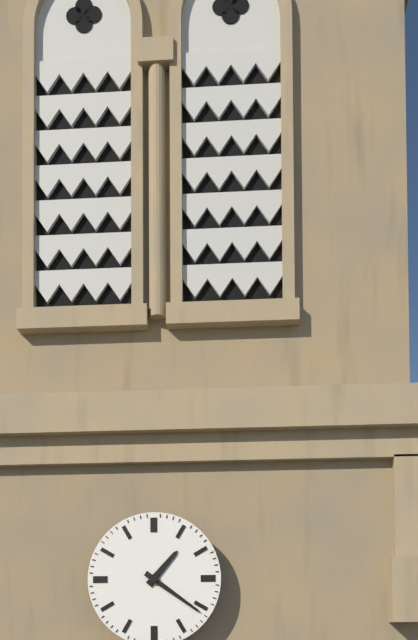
{"hour": 1, "minute": 21}
